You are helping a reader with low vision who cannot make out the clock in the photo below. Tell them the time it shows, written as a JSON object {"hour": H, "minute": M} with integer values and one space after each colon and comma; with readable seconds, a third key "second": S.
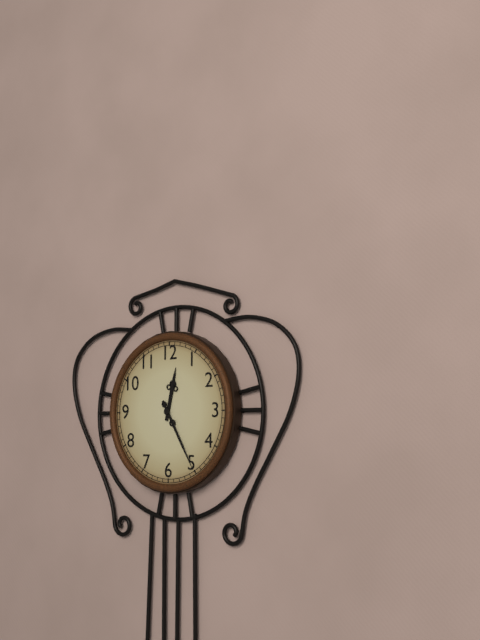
{"hour": 12, "minute": 25}
